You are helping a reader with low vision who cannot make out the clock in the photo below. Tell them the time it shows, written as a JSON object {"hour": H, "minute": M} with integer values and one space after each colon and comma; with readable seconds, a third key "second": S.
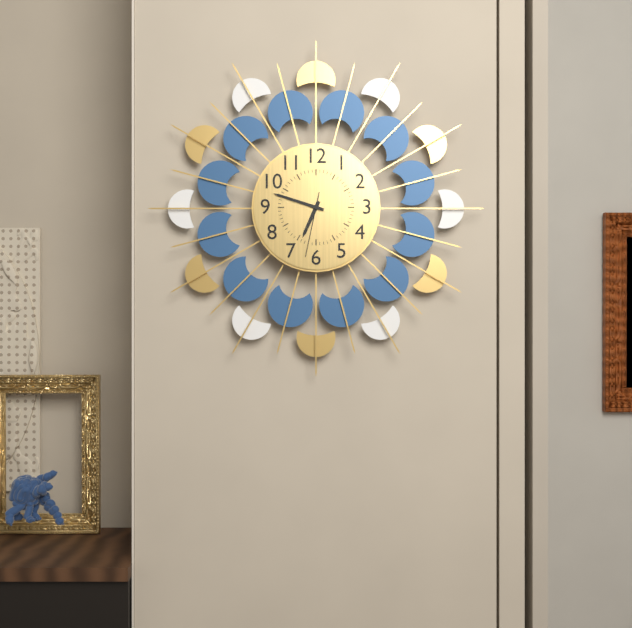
{"hour": 6, "minute": 48, "second": 32}
